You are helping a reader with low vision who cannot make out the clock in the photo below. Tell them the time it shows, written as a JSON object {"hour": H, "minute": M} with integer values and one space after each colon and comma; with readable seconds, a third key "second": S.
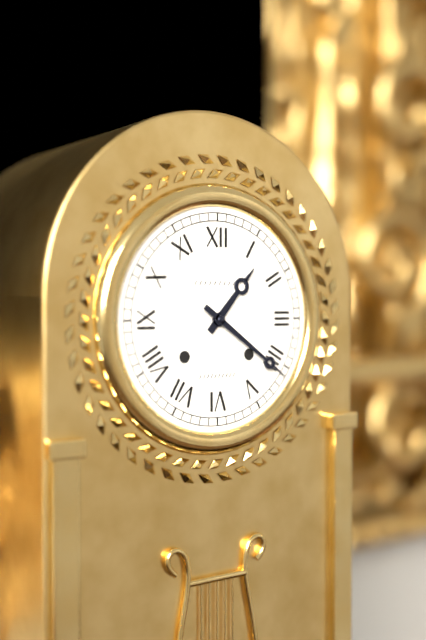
{"hour": 1, "minute": 21}
